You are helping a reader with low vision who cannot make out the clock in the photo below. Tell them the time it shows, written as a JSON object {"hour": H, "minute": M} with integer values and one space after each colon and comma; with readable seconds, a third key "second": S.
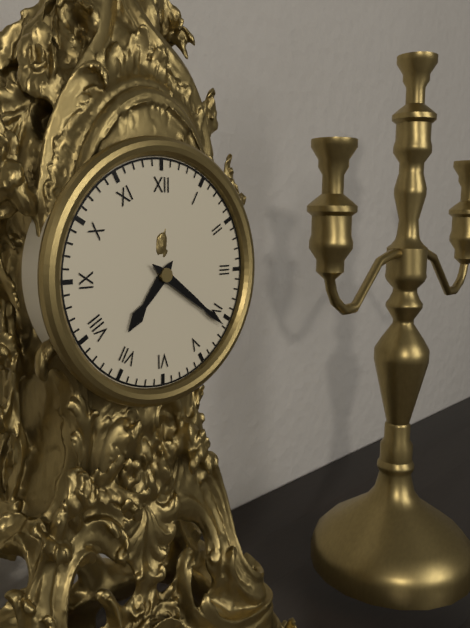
{"hour": 7, "minute": 21}
